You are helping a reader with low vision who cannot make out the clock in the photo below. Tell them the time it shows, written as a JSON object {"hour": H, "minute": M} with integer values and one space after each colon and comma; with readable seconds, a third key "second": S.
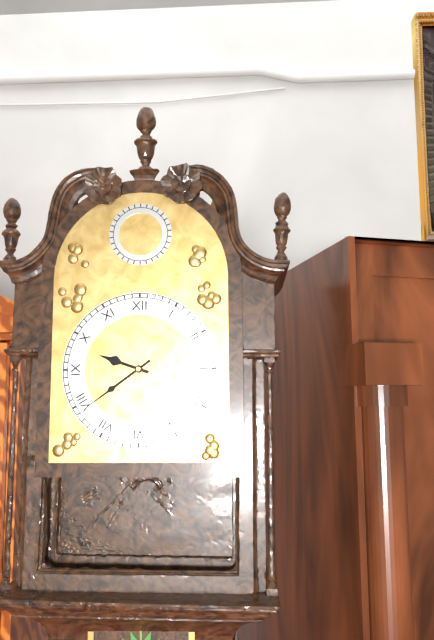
{"hour": 9, "minute": 39}
